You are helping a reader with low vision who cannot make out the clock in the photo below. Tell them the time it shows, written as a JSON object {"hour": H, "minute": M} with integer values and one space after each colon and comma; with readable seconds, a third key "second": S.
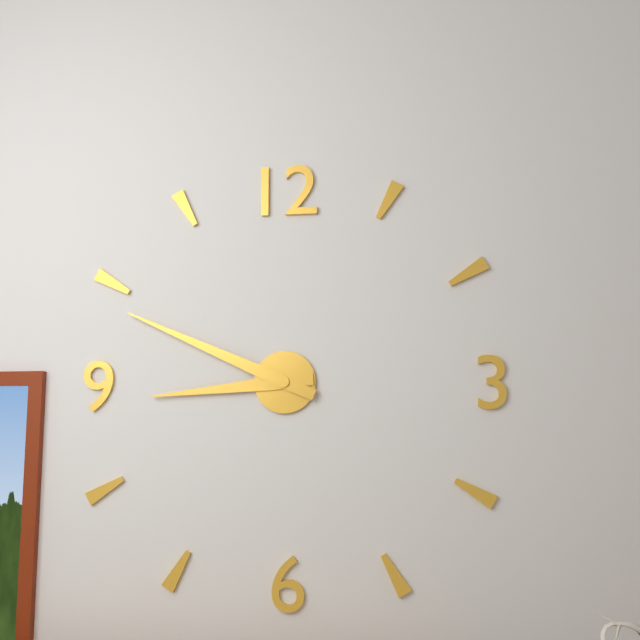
{"hour": 8, "minute": 49}
